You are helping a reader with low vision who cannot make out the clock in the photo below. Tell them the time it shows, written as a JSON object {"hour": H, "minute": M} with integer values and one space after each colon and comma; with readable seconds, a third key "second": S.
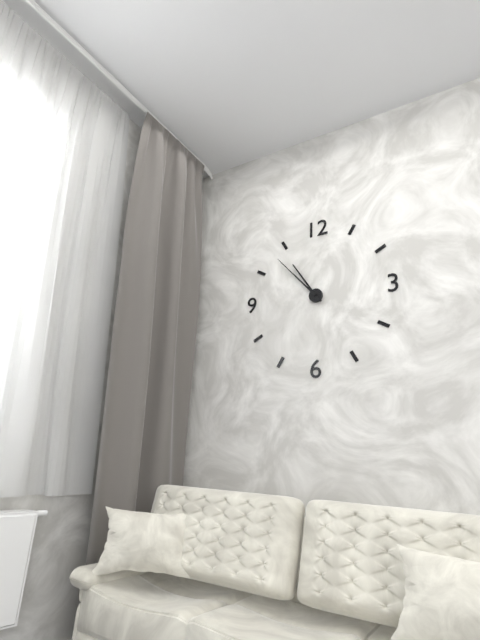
{"hour": 10, "minute": 53}
